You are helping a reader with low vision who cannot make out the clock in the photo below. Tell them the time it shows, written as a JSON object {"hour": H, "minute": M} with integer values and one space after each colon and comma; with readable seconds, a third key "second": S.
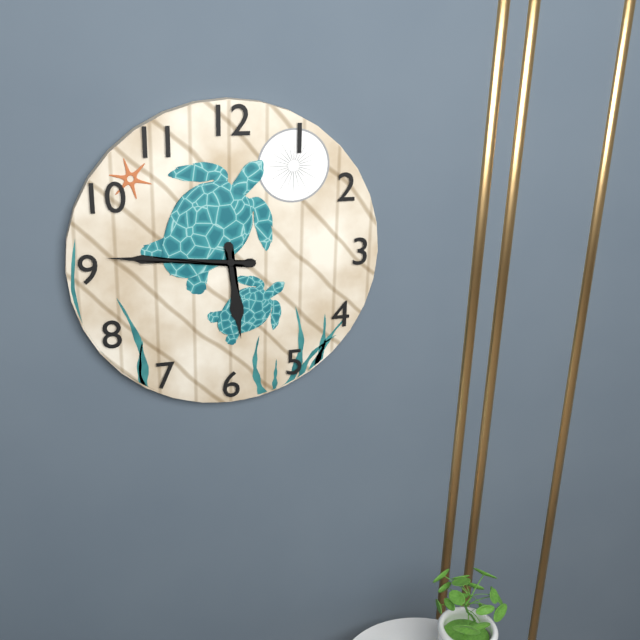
{"hour": 5, "minute": 46}
